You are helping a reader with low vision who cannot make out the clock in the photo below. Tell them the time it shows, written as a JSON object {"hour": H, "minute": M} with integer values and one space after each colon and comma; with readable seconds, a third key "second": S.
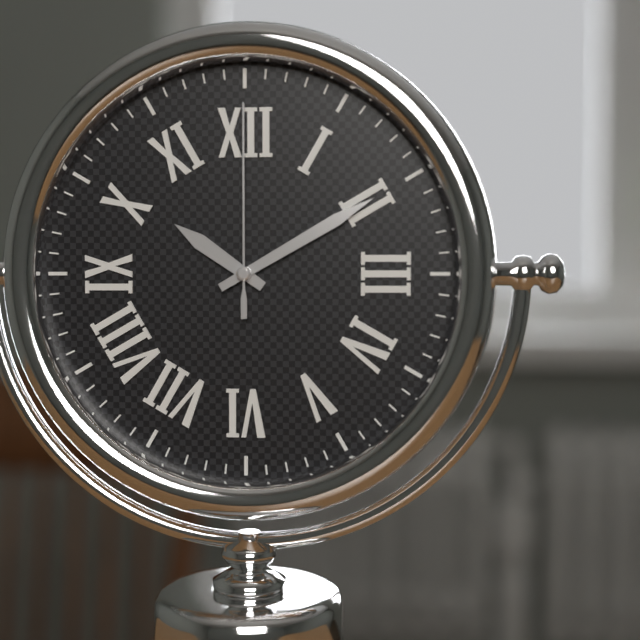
{"hour": 10, "minute": 10, "second": 0}
